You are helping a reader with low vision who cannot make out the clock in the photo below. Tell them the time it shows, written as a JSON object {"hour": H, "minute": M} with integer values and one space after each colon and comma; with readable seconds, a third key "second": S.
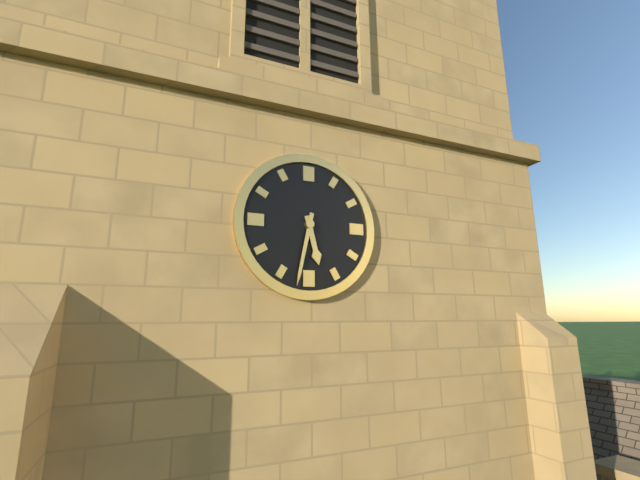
{"hour": 5, "minute": 32}
